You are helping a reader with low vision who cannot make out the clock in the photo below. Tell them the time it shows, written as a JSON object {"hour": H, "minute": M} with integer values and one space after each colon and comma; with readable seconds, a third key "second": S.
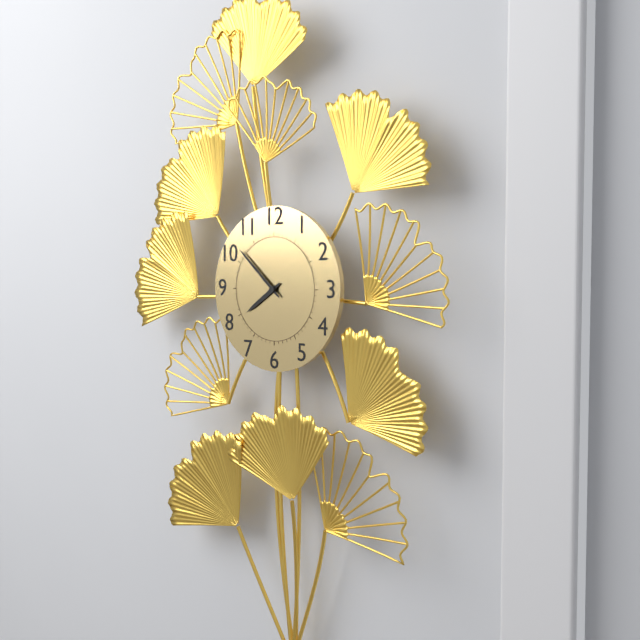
{"hour": 7, "minute": 52}
